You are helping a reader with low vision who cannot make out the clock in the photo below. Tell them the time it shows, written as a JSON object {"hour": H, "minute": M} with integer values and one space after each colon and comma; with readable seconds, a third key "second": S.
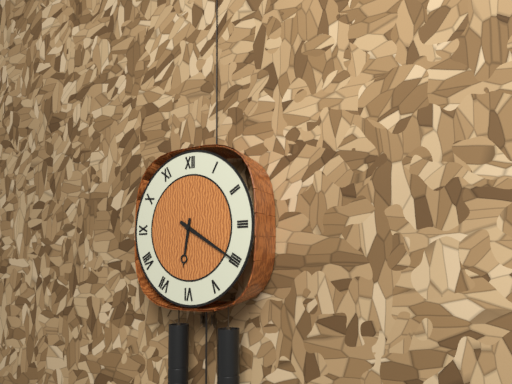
{"hour": 6, "minute": 20}
